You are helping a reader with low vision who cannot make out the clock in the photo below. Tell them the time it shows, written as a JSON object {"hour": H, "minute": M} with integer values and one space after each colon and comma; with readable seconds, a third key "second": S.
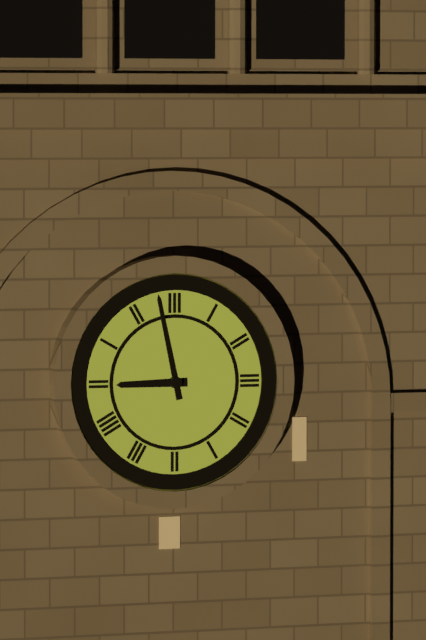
{"hour": 8, "minute": 58}
